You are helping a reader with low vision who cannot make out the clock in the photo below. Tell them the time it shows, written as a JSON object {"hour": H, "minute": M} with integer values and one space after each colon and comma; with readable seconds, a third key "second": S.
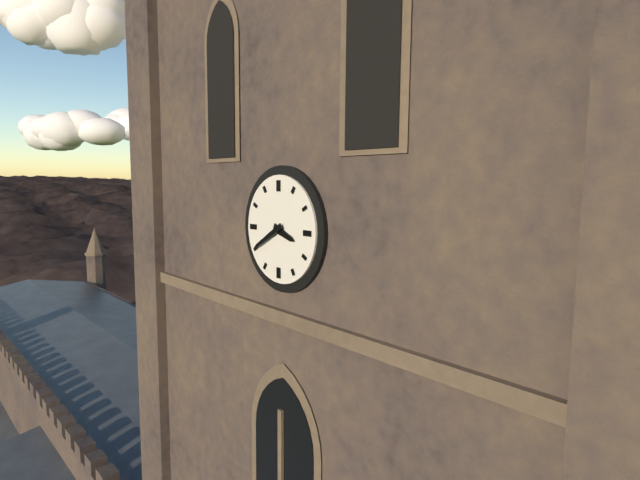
{"hour": 3, "minute": 40}
